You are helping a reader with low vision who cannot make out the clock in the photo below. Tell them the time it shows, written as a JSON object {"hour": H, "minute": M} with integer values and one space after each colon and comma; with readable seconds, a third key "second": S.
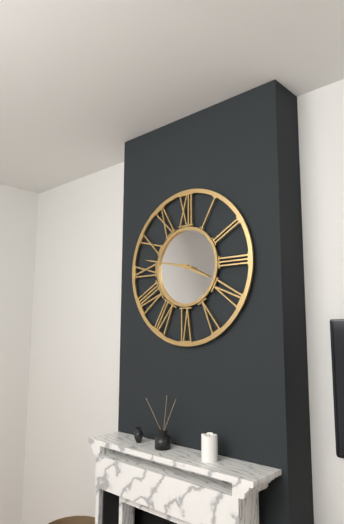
{"hour": 3, "minute": 47}
